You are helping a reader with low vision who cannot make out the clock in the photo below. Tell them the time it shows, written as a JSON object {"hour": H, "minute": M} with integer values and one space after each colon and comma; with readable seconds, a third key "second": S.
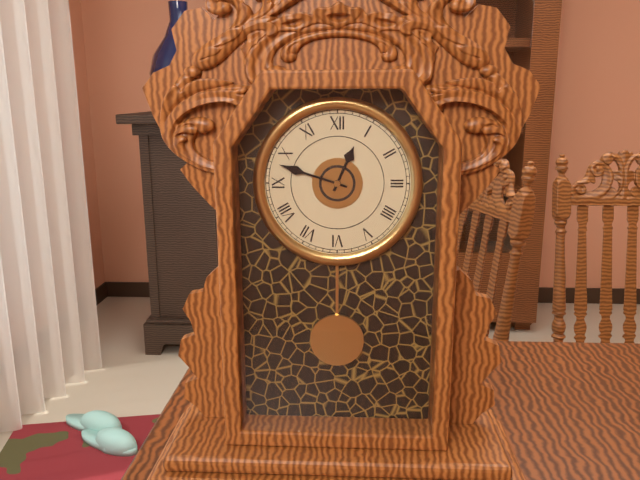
{"hour": 12, "minute": 48}
